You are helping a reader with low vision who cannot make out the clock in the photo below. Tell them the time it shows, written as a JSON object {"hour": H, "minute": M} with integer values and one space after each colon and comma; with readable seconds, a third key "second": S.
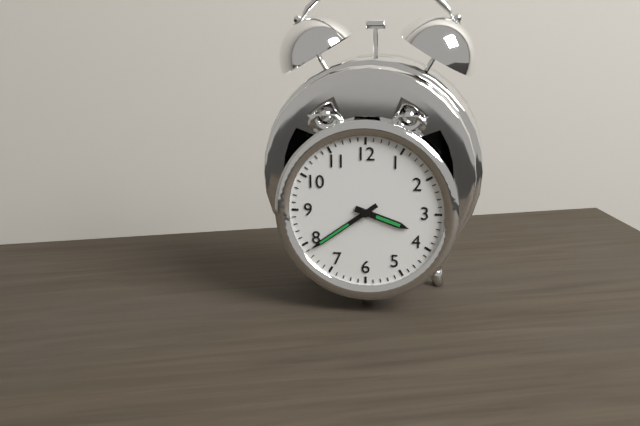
{"hour": 3, "minute": 39}
